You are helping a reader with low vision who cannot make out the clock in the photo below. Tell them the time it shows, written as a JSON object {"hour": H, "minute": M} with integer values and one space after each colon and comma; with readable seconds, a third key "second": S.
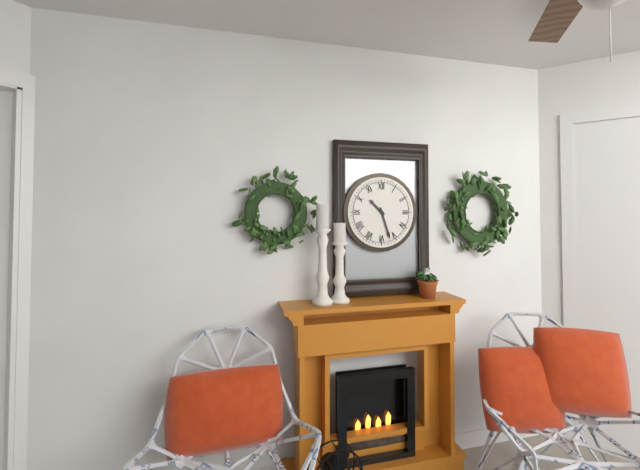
{"hour": 10, "minute": 27}
